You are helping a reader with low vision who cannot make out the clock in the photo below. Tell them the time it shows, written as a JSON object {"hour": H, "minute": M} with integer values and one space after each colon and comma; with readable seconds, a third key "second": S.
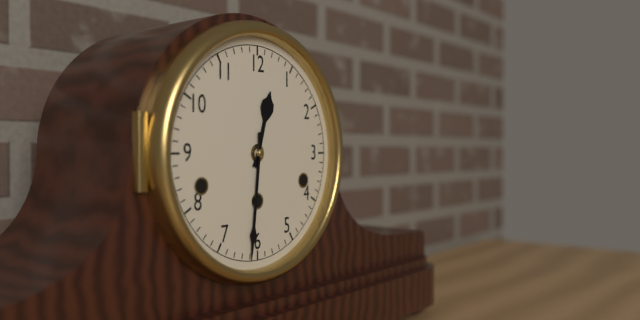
{"hour": 12, "minute": 31}
